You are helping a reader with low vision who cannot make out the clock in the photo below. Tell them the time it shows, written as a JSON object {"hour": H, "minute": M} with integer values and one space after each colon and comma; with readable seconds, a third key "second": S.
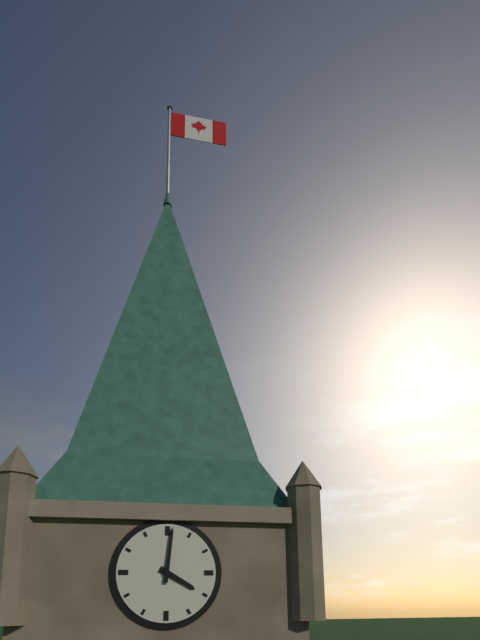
{"hour": 4, "minute": 1}
